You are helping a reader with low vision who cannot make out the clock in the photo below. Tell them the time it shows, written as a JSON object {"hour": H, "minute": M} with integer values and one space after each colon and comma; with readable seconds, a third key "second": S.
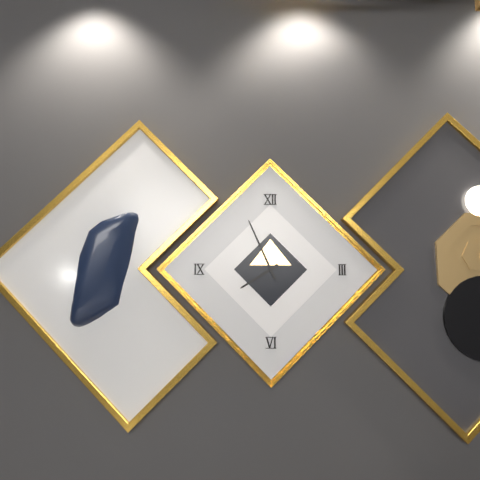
{"hour": 7, "minute": 56}
